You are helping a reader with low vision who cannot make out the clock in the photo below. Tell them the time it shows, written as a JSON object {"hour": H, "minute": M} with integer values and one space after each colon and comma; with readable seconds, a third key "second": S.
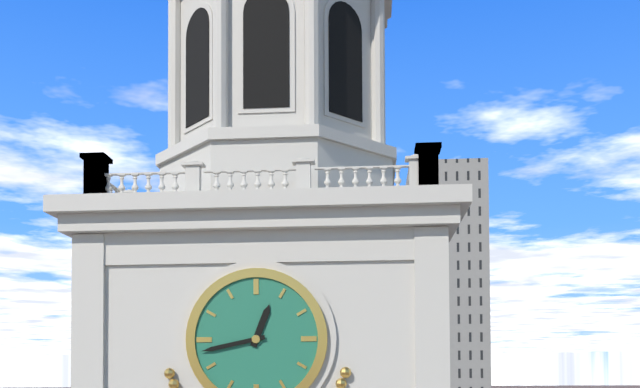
{"hour": 12, "minute": 43}
